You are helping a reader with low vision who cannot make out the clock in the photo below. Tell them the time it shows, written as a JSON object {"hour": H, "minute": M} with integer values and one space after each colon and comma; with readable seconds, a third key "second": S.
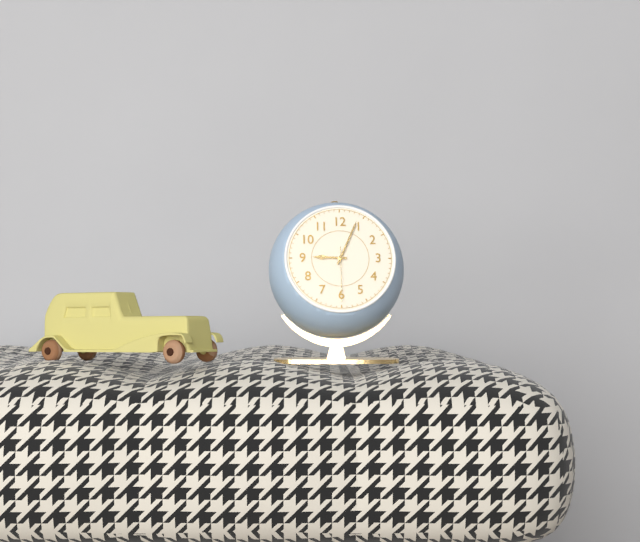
{"hour": 9, "minute": 4}
